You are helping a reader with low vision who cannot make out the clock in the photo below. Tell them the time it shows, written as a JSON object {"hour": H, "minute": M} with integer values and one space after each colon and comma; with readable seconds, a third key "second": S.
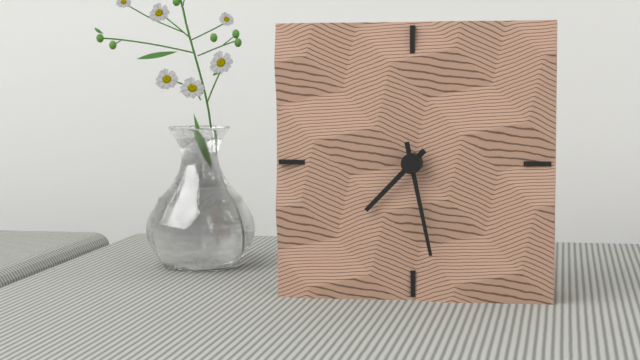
{"hour": 7, "minute": 28}
